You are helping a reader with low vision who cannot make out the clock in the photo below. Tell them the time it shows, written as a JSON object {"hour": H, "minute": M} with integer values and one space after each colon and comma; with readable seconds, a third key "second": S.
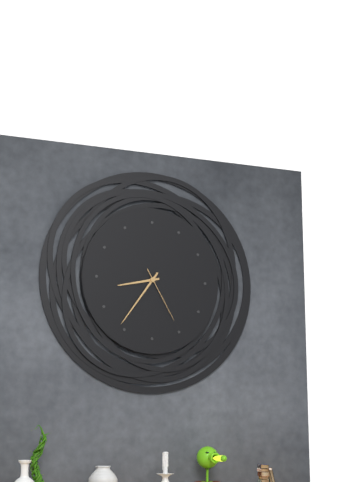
{"hour": 8, "minute": 36, "second": 25}
